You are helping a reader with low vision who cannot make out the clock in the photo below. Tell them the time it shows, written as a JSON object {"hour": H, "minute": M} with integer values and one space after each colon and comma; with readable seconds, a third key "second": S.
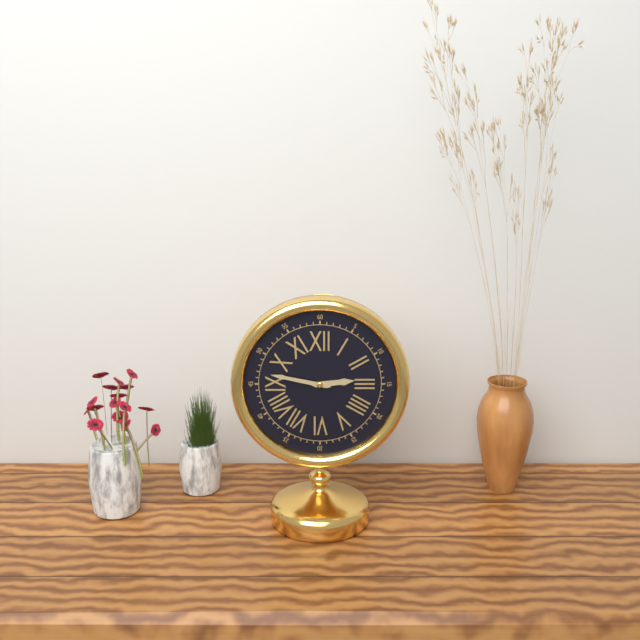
{"hour": 2, "minute": 47}
